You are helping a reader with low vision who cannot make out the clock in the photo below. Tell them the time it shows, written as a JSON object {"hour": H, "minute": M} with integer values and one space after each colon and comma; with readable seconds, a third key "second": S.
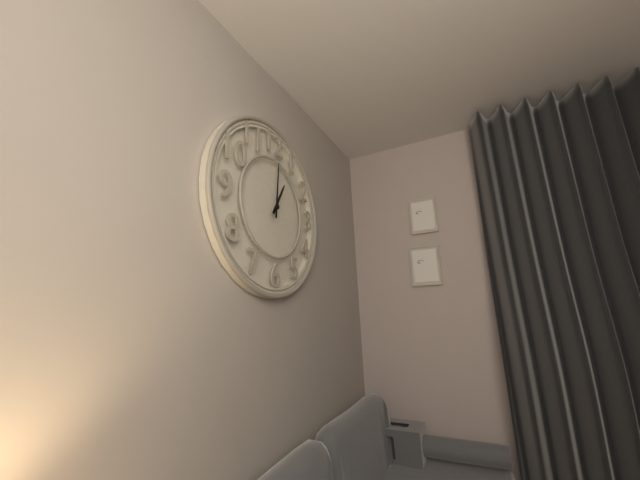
{"hour": 1, "minute": 1}
